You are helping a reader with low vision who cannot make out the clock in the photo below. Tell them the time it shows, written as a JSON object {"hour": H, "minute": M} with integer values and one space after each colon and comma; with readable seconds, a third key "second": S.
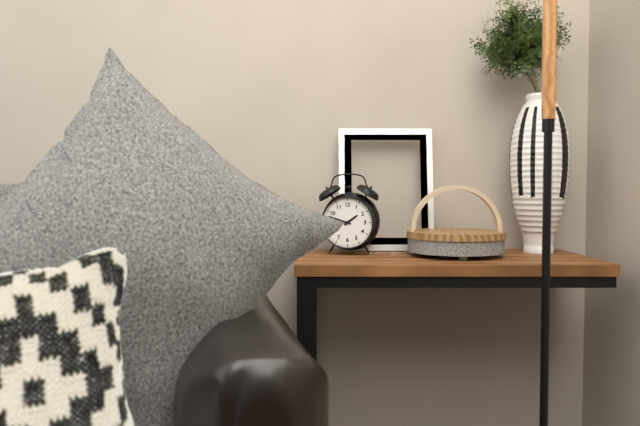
{"hour": 1, "minute": 48}
